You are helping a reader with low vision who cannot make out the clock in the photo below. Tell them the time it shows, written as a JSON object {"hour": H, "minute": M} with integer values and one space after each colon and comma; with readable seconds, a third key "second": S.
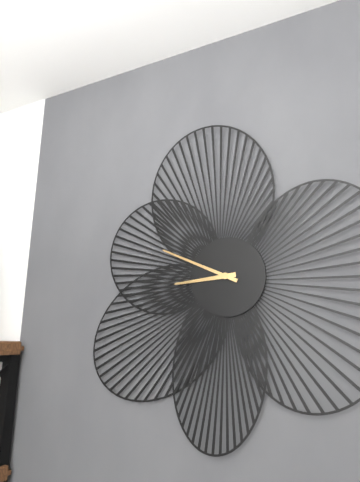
{"hour": 8, "minute": 49}
